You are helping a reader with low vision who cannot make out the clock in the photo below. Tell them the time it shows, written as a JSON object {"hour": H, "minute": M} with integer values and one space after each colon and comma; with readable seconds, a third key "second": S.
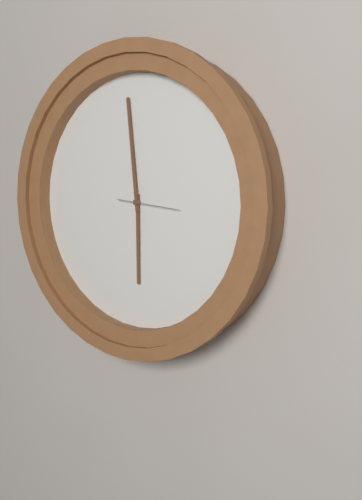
{"hour": 5, "minute": 59, "second": 16}
